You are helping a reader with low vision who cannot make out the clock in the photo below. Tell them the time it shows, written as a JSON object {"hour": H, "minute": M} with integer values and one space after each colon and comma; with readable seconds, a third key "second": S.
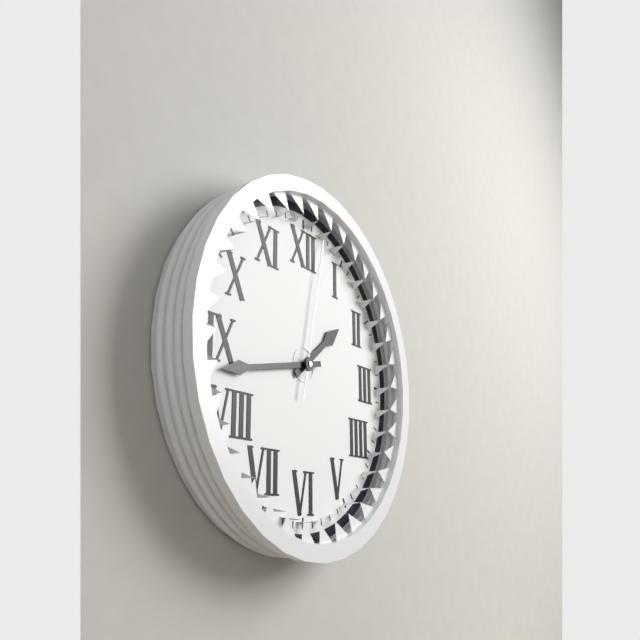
{"hour": 1, "minute": 43, "second": 2}
